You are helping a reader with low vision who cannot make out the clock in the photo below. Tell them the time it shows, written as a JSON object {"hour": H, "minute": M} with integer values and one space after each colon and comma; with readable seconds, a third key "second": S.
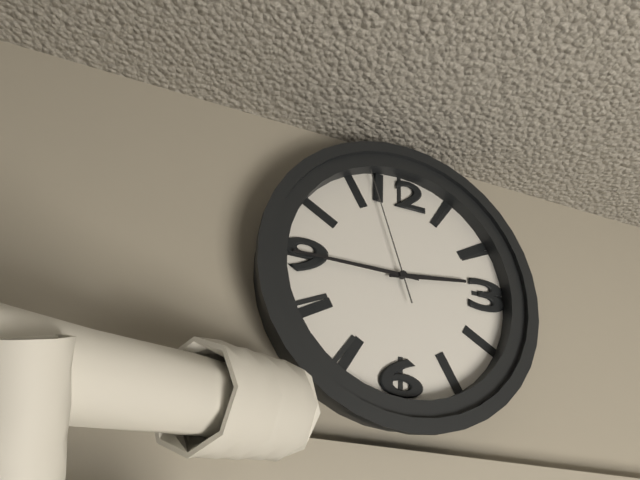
{"hour": 2, "minute": 45, "second": 57}
